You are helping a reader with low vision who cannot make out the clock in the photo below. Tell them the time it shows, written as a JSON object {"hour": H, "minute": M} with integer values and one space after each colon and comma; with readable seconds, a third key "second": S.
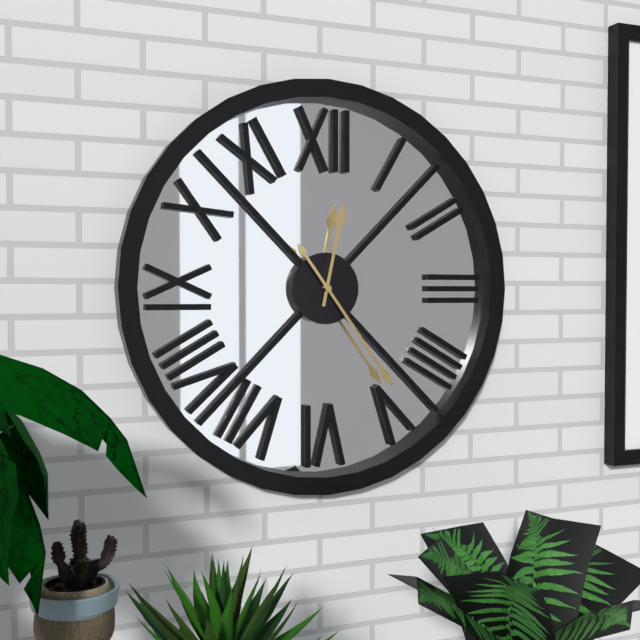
{"hour": 12, "minute": 24}
